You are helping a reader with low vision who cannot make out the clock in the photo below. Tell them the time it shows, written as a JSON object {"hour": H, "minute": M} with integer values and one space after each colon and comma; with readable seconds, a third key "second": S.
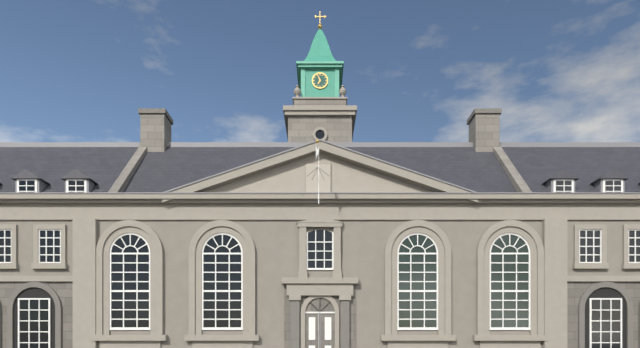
{"hour": 6, "minute": 56}
